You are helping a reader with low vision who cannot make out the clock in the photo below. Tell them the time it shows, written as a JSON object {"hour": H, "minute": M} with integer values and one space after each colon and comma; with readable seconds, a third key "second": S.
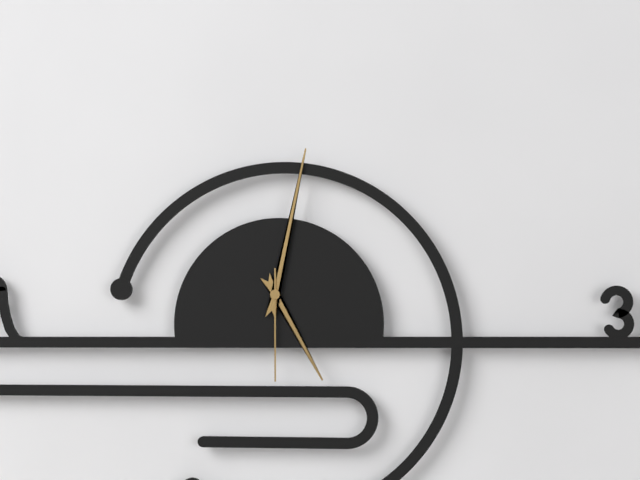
{"hour": 5, "minute": 2, "second": 30}
